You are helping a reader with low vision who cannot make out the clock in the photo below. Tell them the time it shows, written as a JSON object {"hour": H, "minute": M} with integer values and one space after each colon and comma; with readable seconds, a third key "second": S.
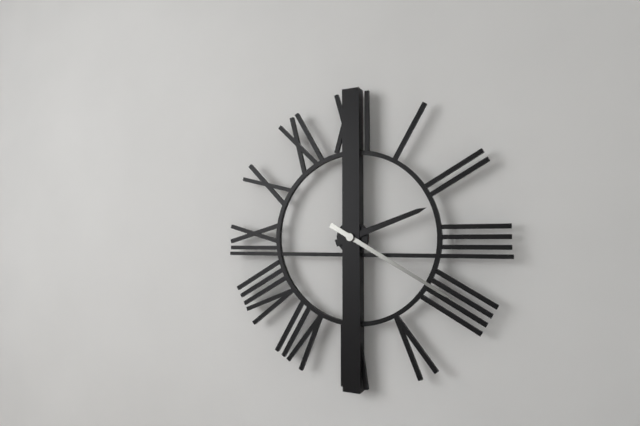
{"hour": 2, "minute": 20}
